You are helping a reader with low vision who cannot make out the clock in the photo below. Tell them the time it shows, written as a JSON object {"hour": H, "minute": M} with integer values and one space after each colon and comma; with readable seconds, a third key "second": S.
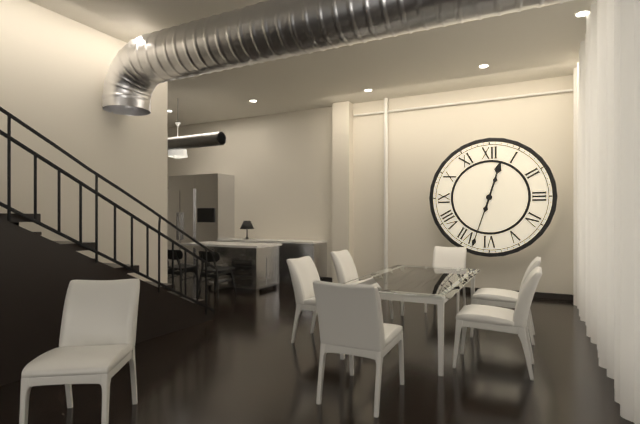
{"hour": 12, "minute": 33}
